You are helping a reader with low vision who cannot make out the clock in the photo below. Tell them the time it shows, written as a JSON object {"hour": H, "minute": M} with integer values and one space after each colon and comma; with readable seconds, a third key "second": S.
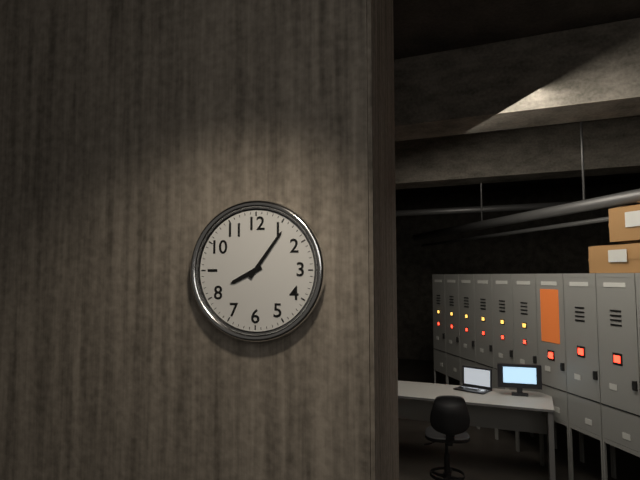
{"hour": 8, "minute": 6}
